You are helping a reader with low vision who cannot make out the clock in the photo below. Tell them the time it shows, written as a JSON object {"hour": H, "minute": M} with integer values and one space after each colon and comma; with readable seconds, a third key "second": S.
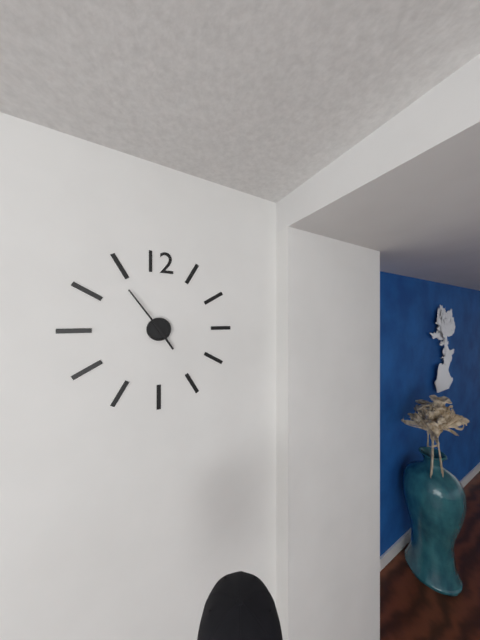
{"hour": 4, "minute": 54}
